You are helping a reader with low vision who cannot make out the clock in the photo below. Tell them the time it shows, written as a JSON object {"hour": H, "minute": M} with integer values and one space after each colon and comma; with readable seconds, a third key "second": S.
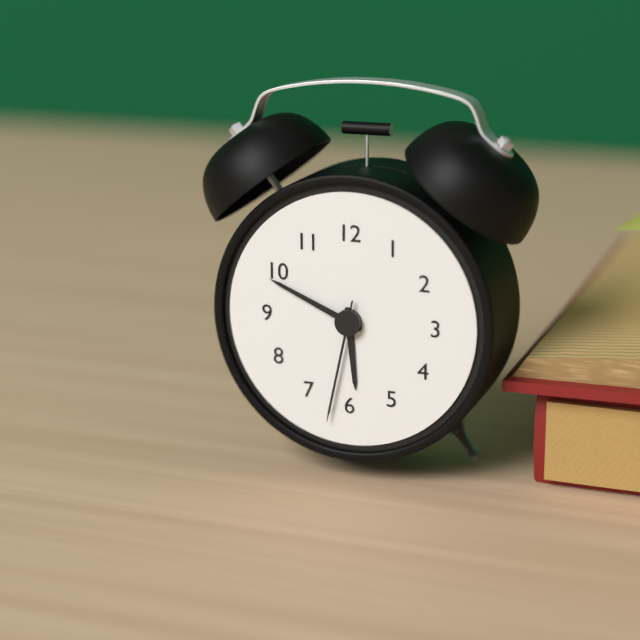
{"hour": 5, "minute": 49, "second": 32}
